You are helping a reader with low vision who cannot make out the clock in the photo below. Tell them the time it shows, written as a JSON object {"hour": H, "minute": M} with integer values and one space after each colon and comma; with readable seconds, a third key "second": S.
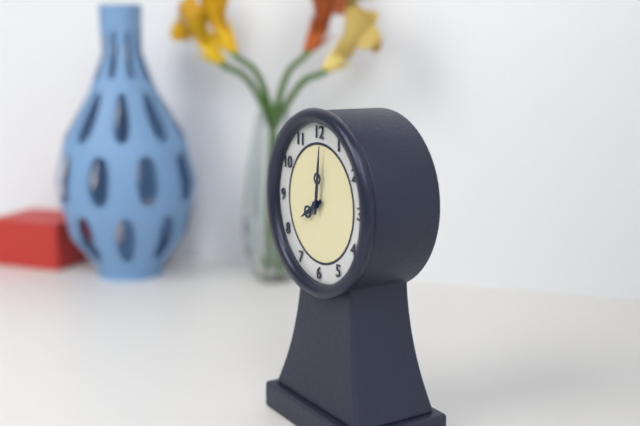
{"hour": 8, "minute": 1}
